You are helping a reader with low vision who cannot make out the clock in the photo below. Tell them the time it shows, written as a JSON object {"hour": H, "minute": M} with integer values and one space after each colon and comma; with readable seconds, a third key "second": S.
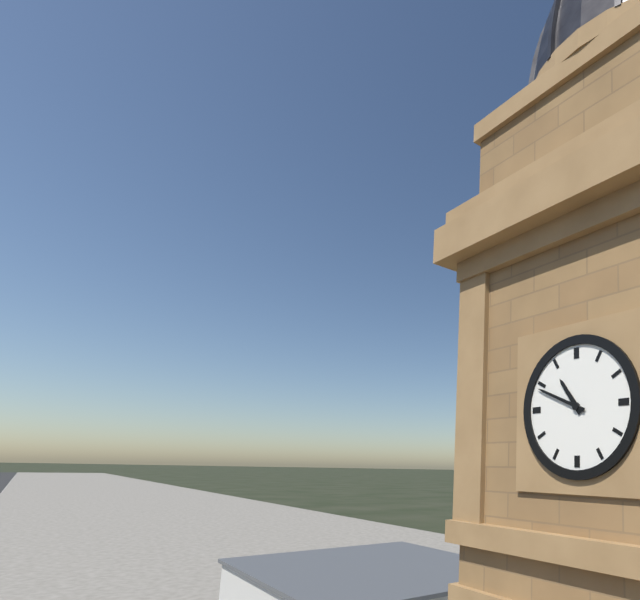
{"hour": 10, "minute": 49}
